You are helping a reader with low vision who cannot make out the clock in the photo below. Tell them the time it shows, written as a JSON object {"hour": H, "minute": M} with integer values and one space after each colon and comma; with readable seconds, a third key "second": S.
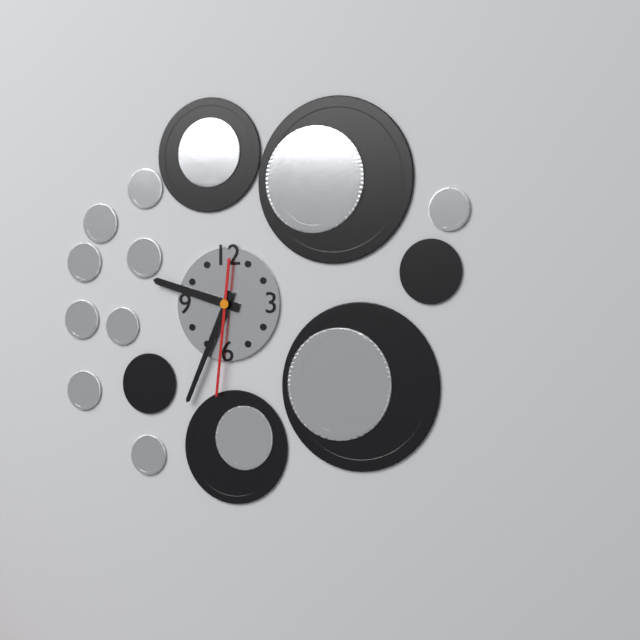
{"hour": 9, "minute": 34, "second": 31}
